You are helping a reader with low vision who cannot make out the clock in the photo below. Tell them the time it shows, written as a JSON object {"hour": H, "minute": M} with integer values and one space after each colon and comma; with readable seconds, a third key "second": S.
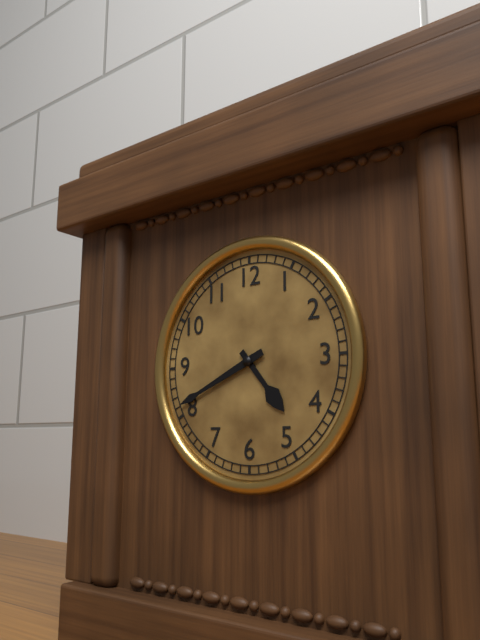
{"hour": 4, "minute": 41}
